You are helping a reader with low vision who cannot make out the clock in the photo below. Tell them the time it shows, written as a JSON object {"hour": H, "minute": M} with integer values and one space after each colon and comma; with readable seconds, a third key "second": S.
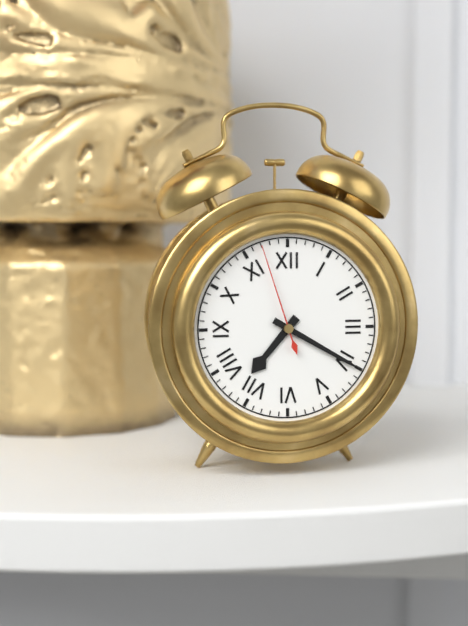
{"hour": 7, "minute": 20, "second": 57}
